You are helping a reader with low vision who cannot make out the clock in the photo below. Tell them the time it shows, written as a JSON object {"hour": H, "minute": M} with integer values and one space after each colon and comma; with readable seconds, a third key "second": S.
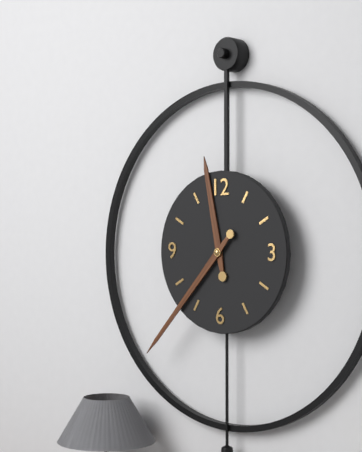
{"hour": 11, "minute": 37}
